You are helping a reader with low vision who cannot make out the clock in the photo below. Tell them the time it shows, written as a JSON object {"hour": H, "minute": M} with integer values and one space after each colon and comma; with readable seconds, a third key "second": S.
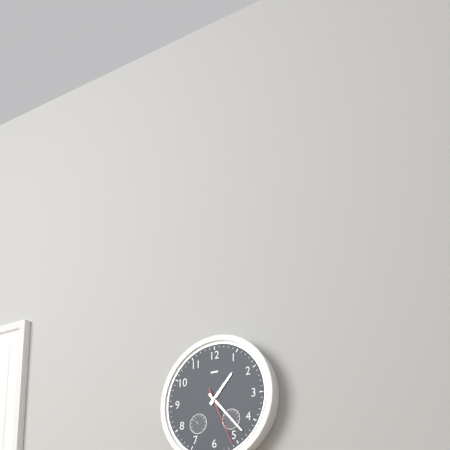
{"hour": 1, "minute": 23, "second": 26}
